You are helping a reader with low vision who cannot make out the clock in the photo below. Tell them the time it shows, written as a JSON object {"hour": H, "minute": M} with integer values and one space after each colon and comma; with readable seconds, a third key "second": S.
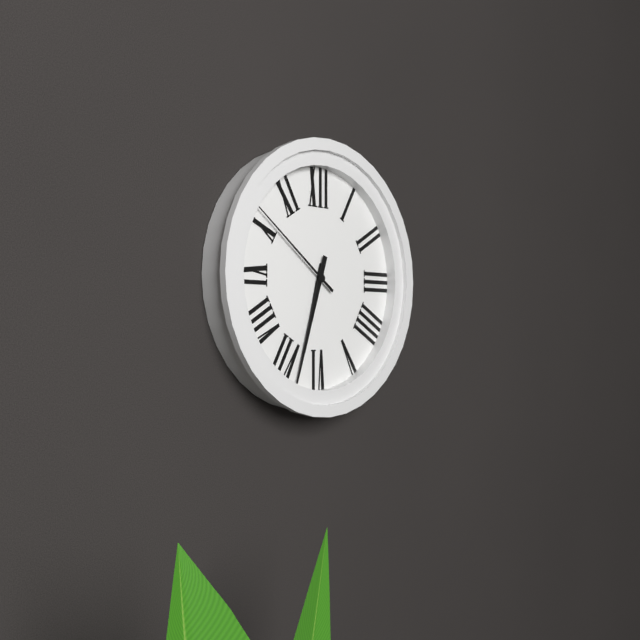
{"hour": 6, "minute": 33, "second": 51}
